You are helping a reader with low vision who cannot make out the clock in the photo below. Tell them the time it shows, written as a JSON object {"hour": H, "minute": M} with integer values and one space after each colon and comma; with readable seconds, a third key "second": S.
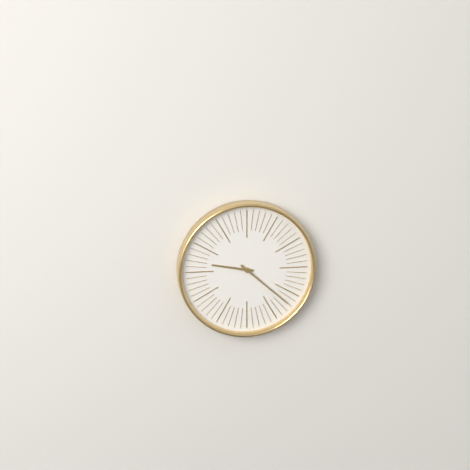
{"hour": 9, "minute": 22}
